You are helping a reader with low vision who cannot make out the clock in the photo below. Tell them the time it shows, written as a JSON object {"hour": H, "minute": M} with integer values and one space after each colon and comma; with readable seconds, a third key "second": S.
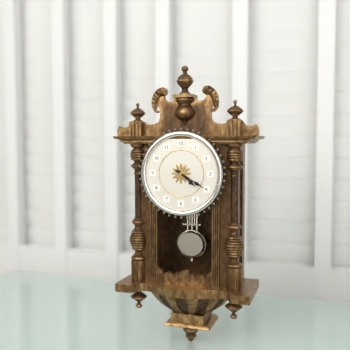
{"hour": 4, "minute": 20}
